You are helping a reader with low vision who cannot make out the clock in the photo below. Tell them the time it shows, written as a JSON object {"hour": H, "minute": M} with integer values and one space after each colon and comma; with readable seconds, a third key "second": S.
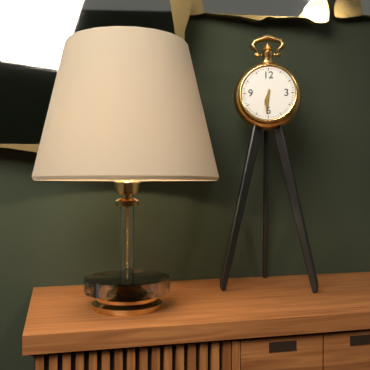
{"hour": 6, "minute": 31}
